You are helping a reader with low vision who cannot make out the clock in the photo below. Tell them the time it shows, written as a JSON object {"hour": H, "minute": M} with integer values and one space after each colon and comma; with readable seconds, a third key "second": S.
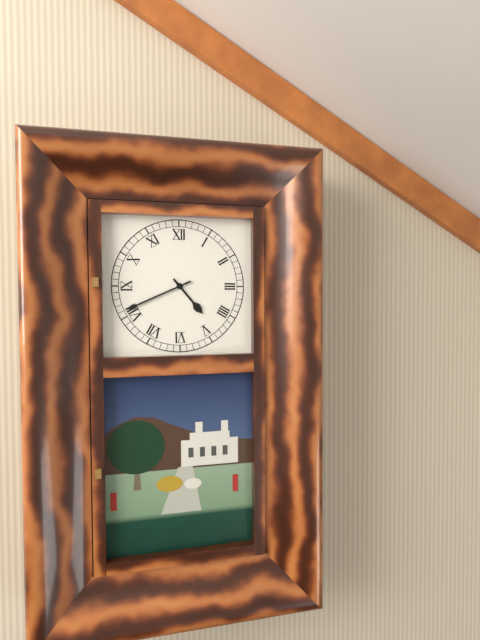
{"hour": 4, "minute": 41}
